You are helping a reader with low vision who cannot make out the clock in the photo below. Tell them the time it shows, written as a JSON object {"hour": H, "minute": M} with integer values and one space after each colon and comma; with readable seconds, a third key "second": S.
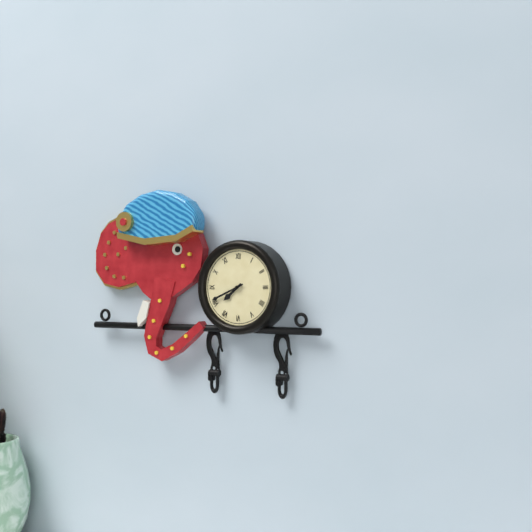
{"hour": 7, "minute": 41}
